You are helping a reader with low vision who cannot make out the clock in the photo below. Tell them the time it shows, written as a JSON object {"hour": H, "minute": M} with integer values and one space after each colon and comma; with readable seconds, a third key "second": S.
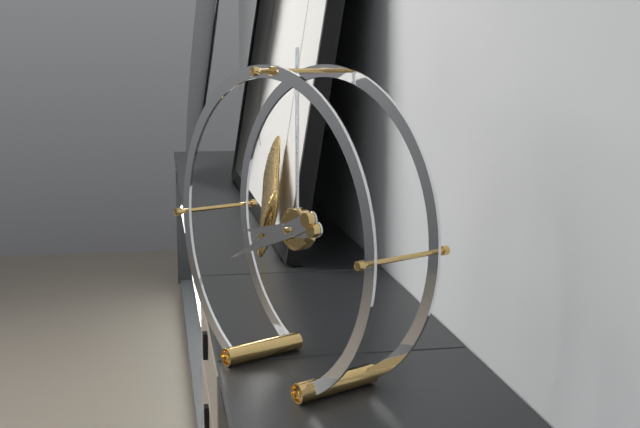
{"hour": 8, "minute": 41}
